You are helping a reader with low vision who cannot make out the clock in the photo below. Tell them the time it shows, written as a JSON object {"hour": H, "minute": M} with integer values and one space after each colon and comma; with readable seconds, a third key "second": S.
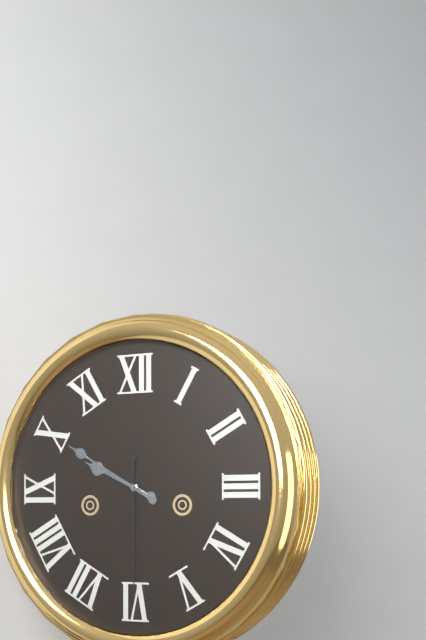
{"hour": 9, "minute": 50, "second": 30}
